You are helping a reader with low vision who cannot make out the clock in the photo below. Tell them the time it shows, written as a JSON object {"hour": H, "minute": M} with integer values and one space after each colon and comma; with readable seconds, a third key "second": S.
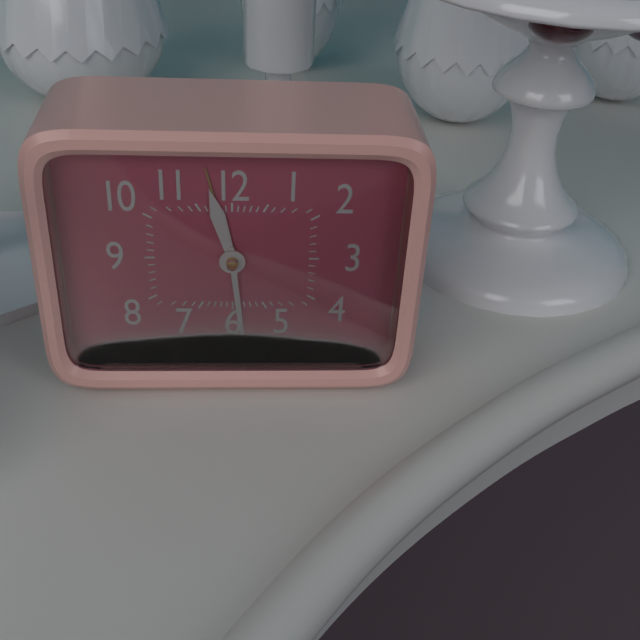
{"hour": 11, "minute": 29}
